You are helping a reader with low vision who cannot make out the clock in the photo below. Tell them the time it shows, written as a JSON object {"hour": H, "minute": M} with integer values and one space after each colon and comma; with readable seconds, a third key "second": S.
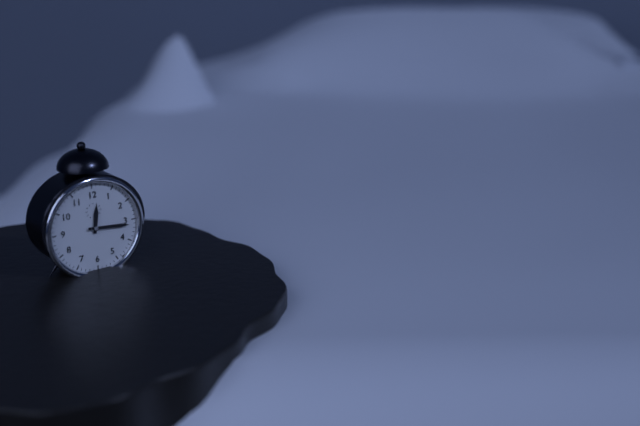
{"hour": 12, "minute": 16}
